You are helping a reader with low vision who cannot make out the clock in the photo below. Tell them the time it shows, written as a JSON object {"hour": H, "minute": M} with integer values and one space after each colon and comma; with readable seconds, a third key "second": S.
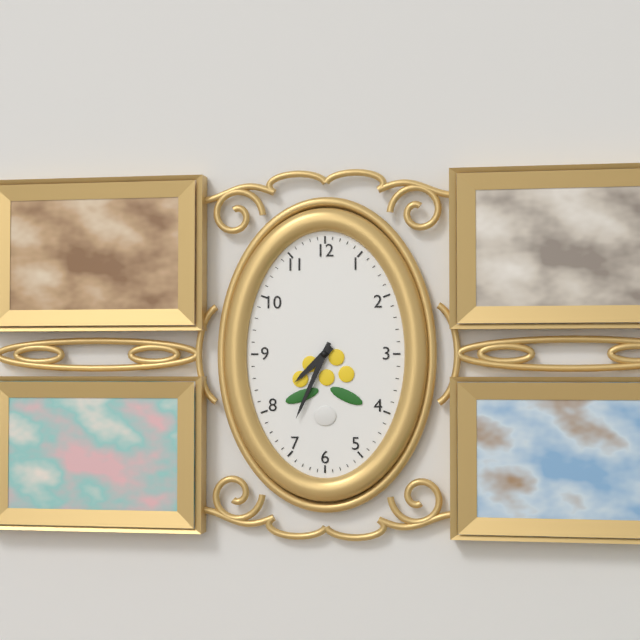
{"hour": 7, "minute": 34}
